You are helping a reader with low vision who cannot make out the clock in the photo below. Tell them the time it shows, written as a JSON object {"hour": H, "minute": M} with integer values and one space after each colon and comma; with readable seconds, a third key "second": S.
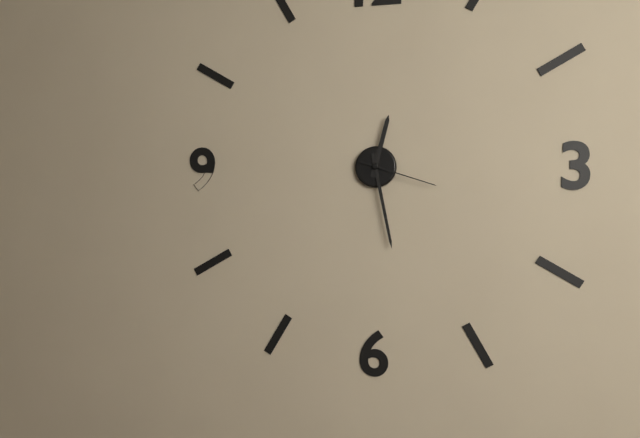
{"hour": 12, "minute": 28, "second": 18}
